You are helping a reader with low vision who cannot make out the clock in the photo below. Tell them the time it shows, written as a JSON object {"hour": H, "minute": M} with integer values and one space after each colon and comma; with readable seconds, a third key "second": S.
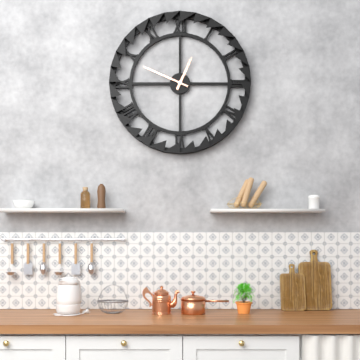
{"hour": 12, "minute": 49}
